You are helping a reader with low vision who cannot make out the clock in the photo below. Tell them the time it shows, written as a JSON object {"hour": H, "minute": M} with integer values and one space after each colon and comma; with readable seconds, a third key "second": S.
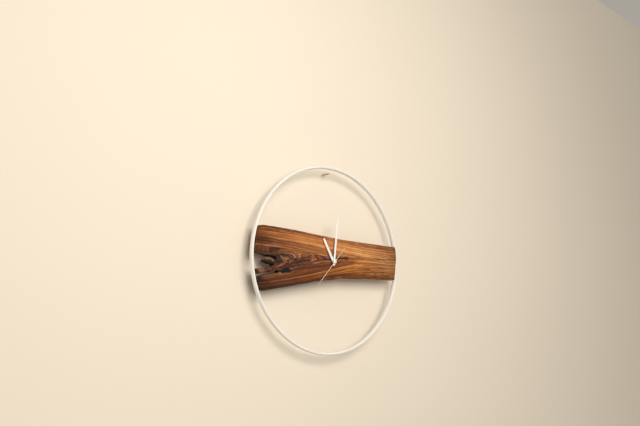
{"hour": 11, "minute": 1}
